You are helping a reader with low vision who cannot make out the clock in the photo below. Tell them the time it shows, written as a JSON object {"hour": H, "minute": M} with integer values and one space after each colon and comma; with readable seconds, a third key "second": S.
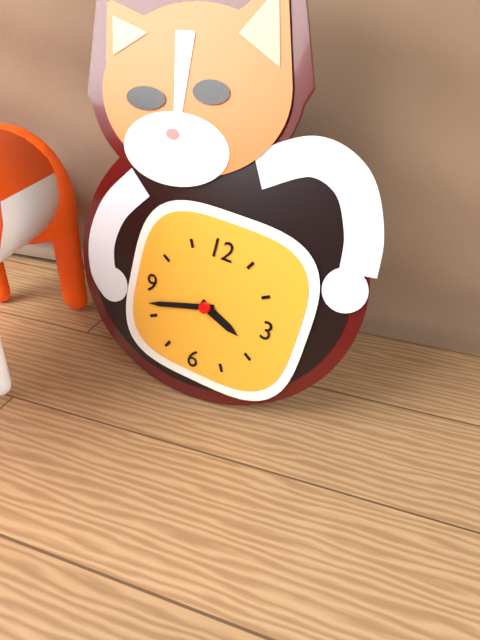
{"hour": 3, "minute": 42}
